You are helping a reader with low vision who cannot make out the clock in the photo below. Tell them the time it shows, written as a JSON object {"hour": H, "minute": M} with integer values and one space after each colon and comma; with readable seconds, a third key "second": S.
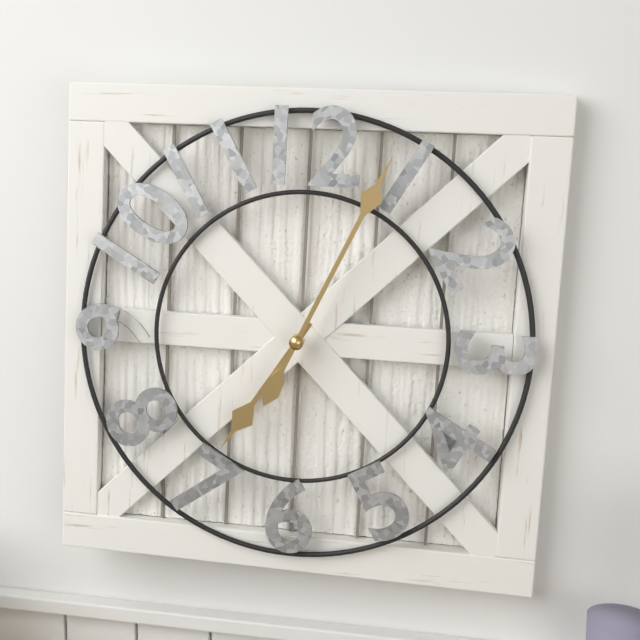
{"hour": 7, "minute": 4}
